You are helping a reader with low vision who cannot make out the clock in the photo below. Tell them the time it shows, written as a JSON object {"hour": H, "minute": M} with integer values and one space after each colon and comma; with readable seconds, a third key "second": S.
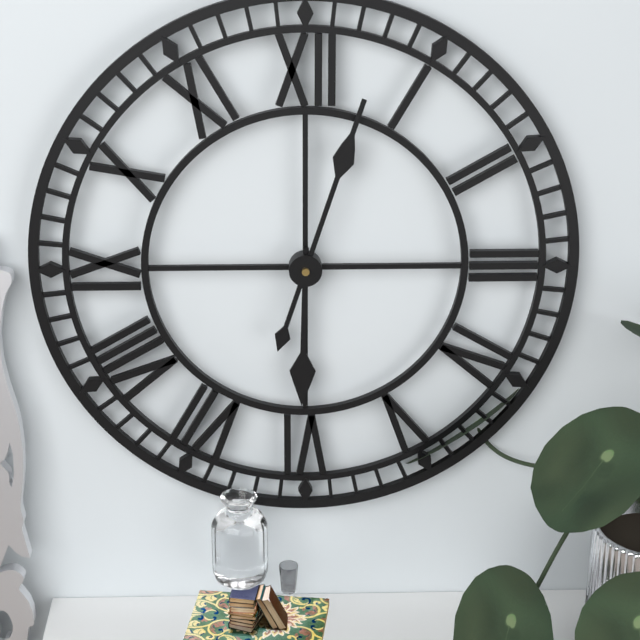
{"hour": 6, "minute": 3}
